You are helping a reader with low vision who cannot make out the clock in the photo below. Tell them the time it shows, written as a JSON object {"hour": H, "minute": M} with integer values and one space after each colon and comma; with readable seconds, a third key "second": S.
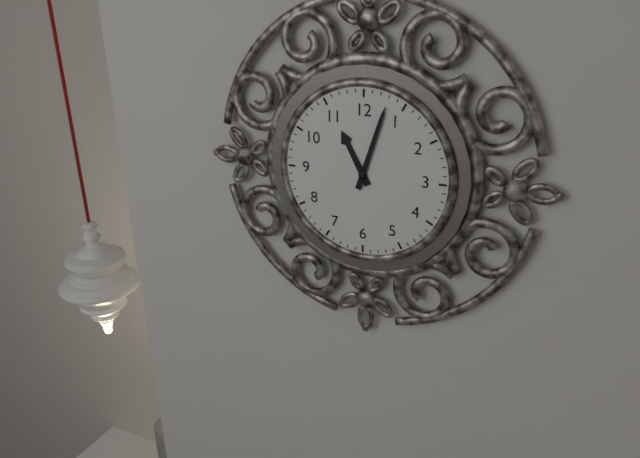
{"hour": 11, "minute": 3}
